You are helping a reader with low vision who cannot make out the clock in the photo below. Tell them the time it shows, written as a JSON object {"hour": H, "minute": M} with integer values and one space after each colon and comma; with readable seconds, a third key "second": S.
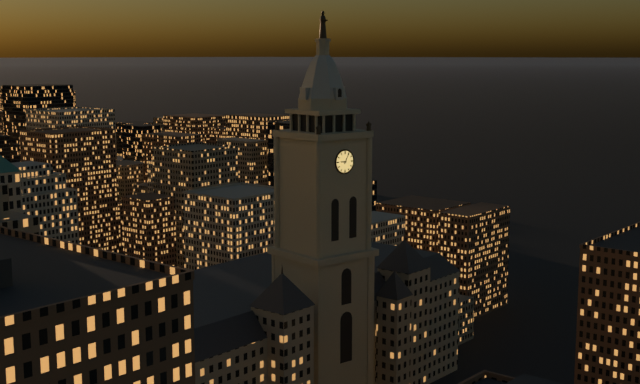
{"hour": 9, "minute": 5}
